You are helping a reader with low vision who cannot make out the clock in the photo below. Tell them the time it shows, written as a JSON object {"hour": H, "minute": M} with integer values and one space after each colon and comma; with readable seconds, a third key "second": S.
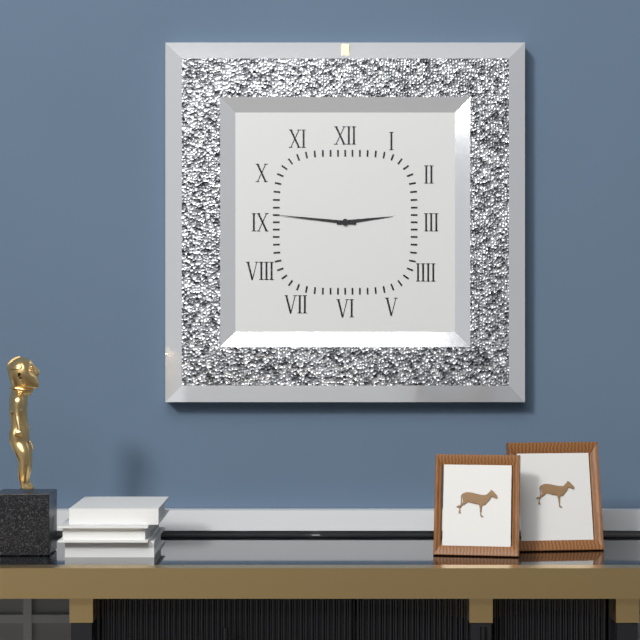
{"hour": 2, "minute": 46}
